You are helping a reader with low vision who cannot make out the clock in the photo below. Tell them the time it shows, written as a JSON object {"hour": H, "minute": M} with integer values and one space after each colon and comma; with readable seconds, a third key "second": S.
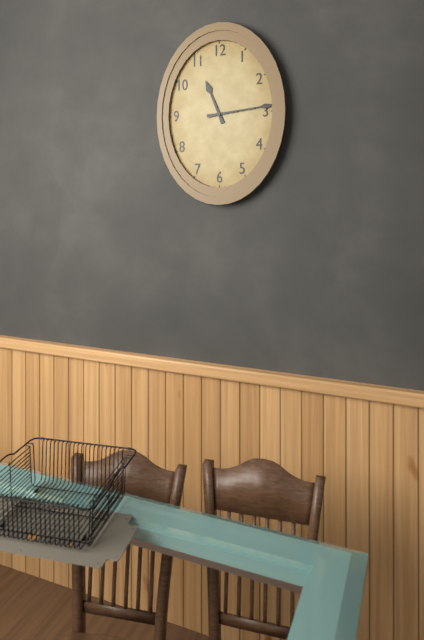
{"hour": 11, "minute": 14}
